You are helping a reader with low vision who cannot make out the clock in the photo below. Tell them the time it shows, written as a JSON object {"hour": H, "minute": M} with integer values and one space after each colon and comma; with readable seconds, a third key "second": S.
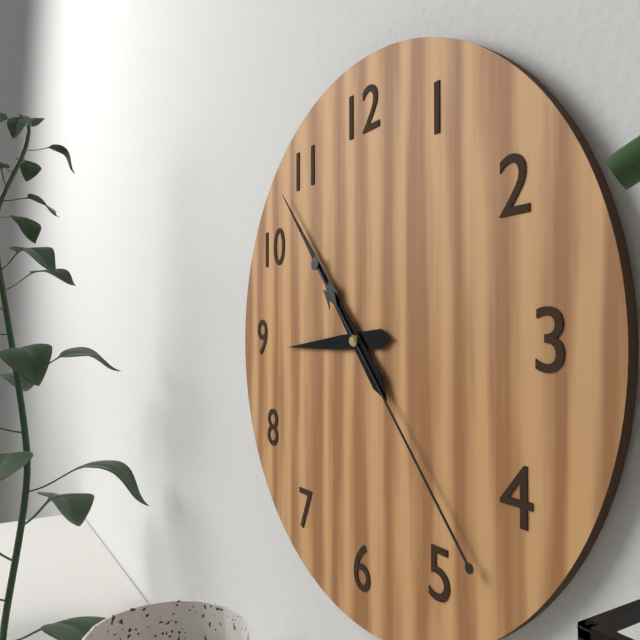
{"hour": 8, "minute": 53, "second": 23}
